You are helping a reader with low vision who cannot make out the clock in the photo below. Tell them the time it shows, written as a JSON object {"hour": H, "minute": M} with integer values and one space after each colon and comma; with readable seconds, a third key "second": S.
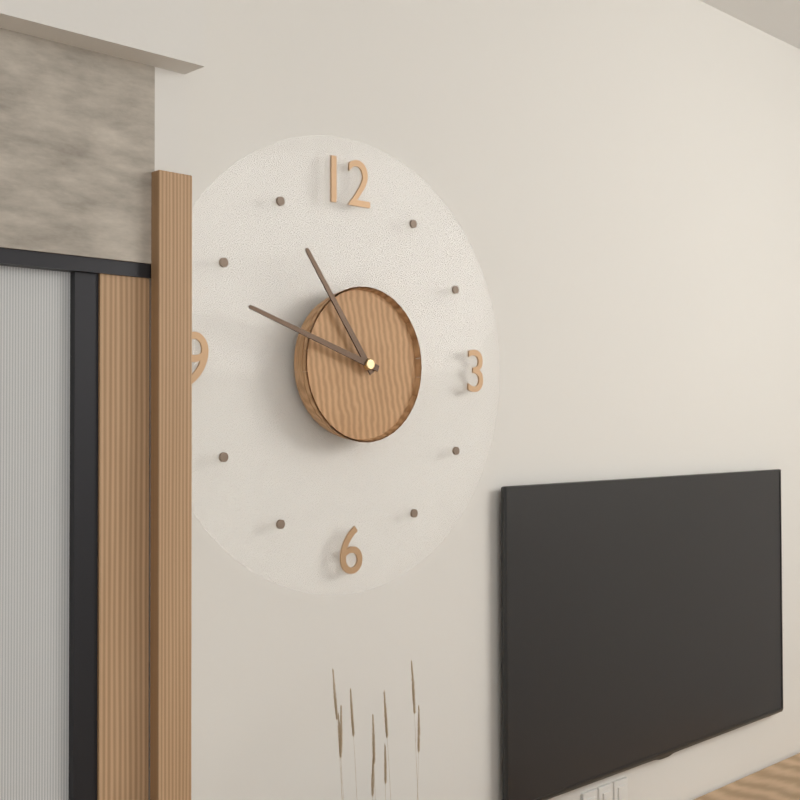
{"hour": 10, "minute": 48}
